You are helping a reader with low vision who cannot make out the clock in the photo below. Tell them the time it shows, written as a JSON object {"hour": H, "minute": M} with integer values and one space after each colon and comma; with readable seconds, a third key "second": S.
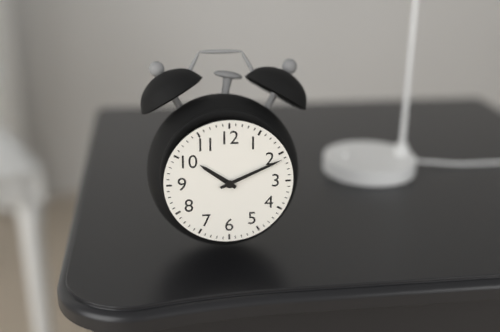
{"hour": 10, "minute": 11}
